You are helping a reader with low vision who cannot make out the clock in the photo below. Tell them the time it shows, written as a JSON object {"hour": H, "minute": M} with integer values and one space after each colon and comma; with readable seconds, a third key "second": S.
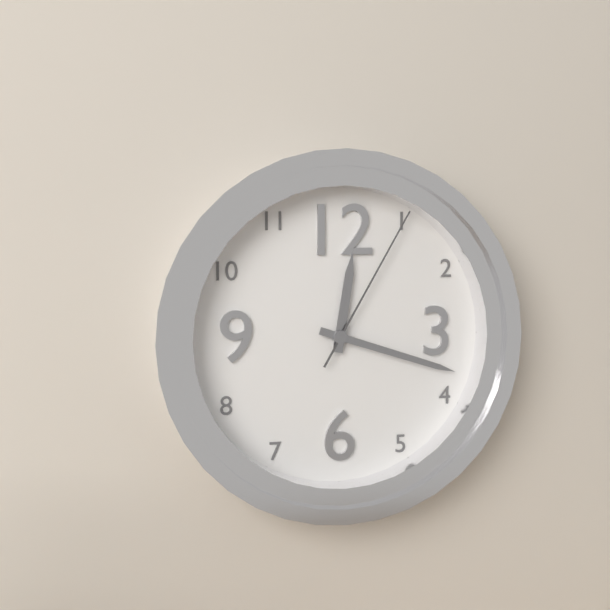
{"hour": 12, "minute": 18, "second": 5}
